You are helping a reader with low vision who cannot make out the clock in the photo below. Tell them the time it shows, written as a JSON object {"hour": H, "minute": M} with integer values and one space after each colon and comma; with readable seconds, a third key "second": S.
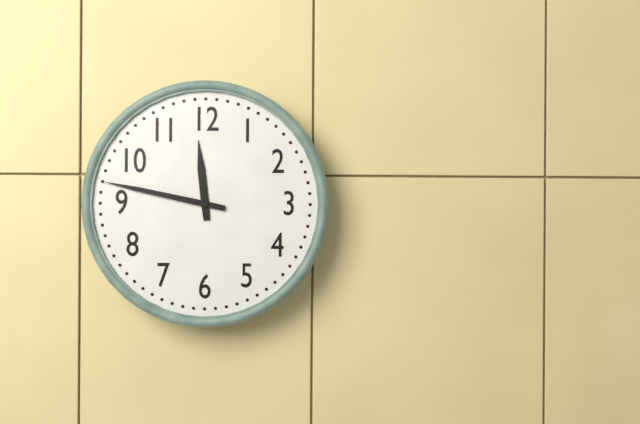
{"hour": 11, "minute": 47}
